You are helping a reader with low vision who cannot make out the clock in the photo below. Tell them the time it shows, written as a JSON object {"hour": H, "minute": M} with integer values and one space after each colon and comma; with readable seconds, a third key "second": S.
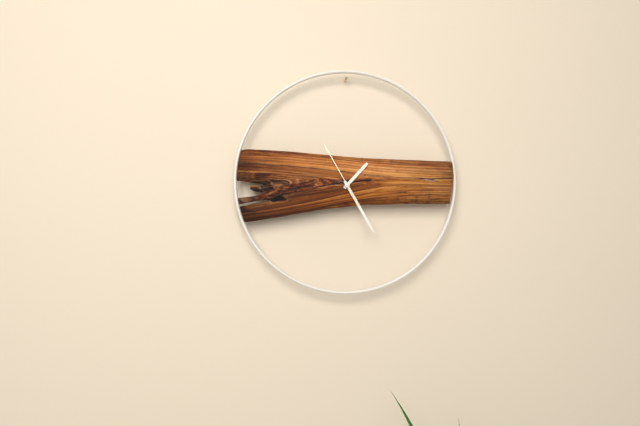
{"hour": 1, "minute": 25, "second": 55}
